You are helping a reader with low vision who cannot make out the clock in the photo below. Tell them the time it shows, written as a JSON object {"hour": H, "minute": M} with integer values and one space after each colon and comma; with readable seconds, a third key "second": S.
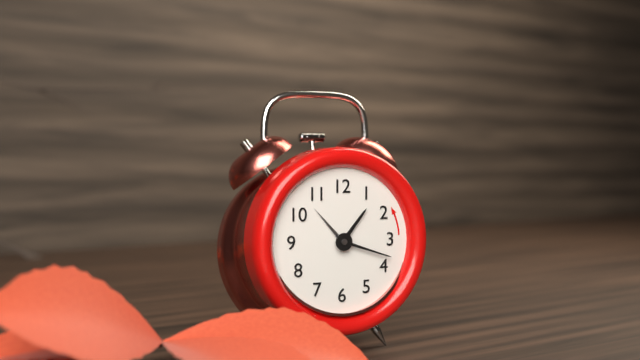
{"hour": 1, "minute": 18, "second": 53}
